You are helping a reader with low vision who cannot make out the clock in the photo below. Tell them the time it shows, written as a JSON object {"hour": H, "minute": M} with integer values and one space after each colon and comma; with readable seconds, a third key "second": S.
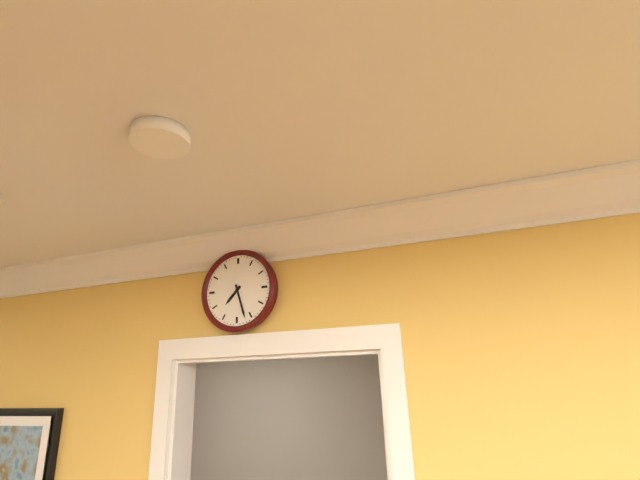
{"hour": 7, "minute": 27}
